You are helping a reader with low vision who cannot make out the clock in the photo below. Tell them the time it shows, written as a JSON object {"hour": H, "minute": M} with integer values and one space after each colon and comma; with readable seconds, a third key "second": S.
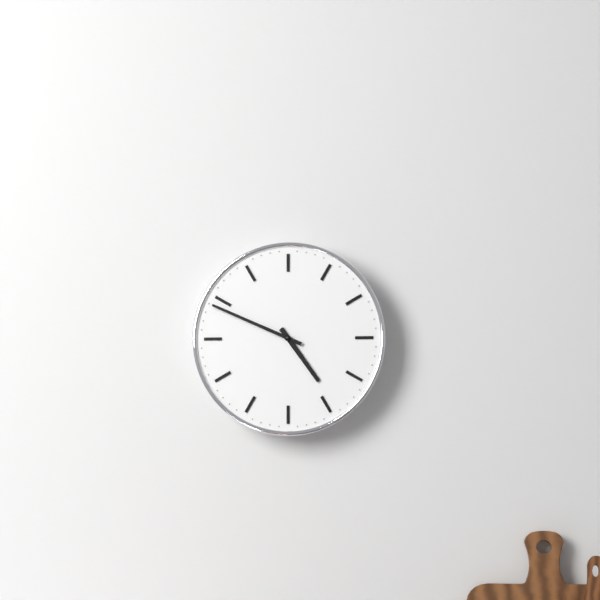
{"hour": 4, "minute": 49}
